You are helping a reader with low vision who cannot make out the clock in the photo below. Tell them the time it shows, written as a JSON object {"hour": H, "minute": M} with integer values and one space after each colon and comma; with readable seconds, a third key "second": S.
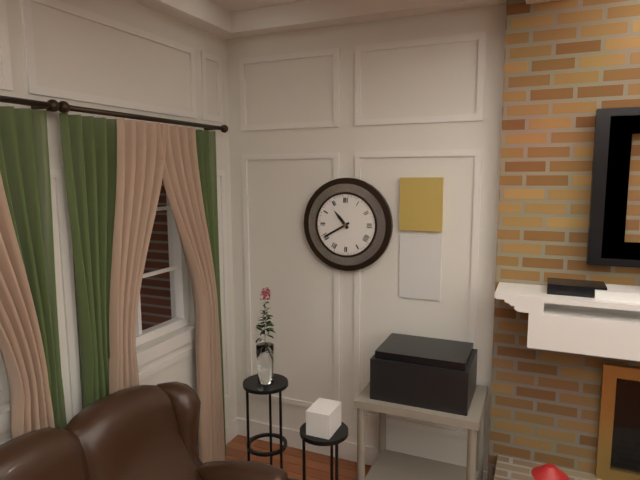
{"hour": 10, "minute": 40}
